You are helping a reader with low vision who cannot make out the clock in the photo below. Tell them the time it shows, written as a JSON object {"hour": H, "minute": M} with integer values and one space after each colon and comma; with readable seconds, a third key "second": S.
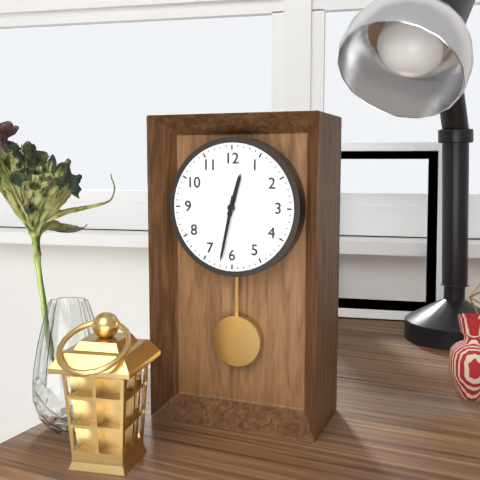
{"hour": 12, "minute": 32}
